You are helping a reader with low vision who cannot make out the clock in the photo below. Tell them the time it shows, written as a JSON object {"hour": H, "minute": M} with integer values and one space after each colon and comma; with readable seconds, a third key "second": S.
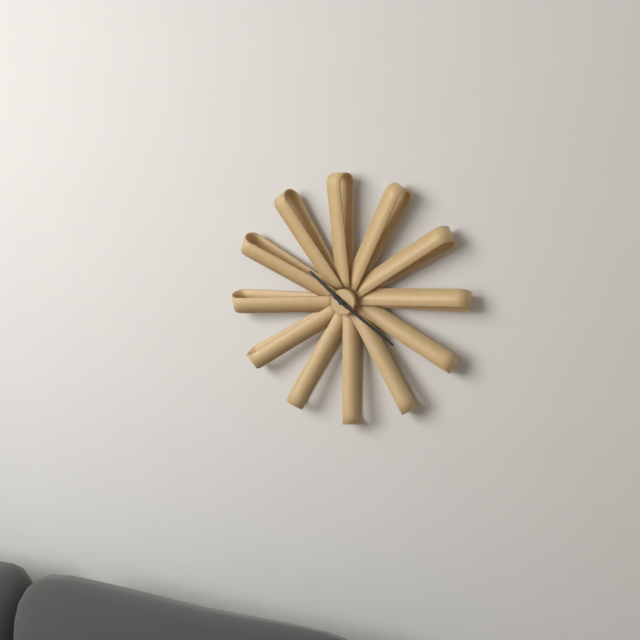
{"hour": 10, "minute": 21}
